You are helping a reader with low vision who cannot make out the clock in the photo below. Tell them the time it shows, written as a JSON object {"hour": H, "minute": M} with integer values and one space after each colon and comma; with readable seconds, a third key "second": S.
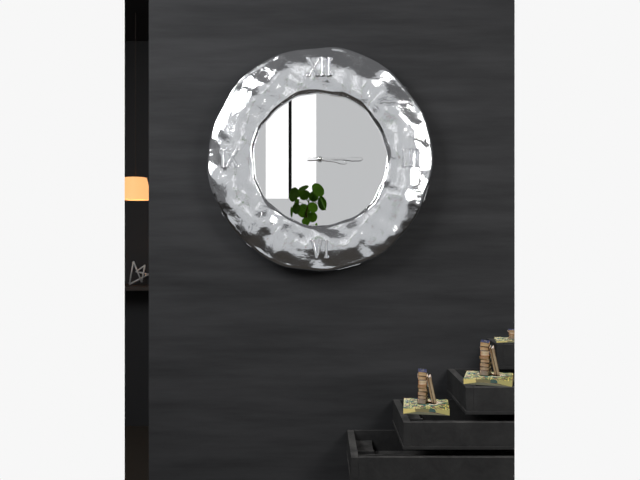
{"hour": 3, "minute": 15}
